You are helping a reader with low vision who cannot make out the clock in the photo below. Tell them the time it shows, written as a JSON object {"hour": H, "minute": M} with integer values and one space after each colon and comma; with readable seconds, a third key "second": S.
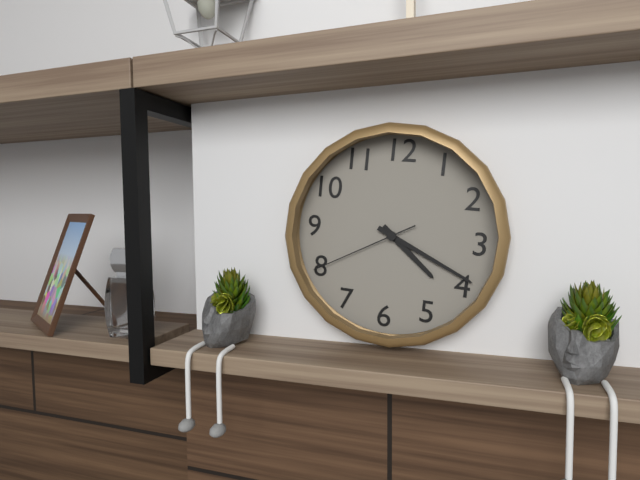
{"hour": 4, "minute": 19, "second": 40}
